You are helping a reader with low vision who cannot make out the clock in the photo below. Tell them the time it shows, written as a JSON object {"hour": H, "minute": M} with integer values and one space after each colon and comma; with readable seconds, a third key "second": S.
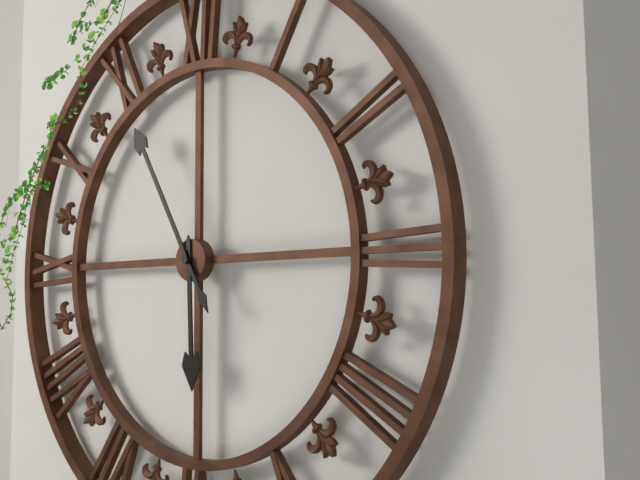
{"hour": 5, "minute": 55}
